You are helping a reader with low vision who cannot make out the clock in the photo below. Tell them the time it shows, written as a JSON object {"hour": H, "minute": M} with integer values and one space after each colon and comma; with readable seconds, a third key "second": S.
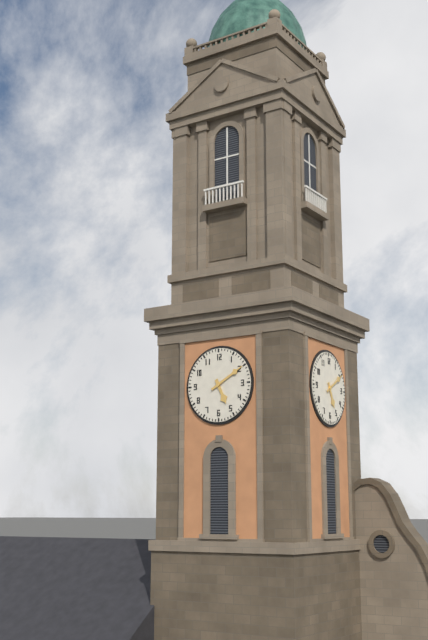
{"hour": 5, "minute": 10}
